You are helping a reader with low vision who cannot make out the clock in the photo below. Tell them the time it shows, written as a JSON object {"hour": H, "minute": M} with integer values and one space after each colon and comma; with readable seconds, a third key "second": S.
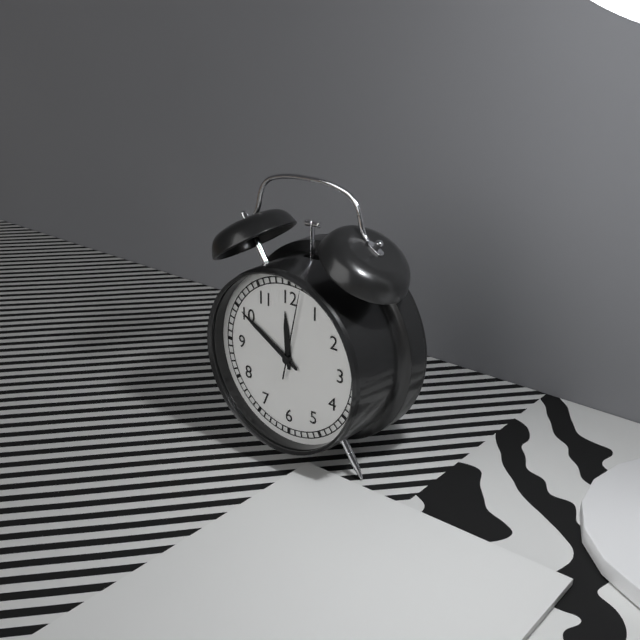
{"hour": 11, "minute": 50, "second": 2}
